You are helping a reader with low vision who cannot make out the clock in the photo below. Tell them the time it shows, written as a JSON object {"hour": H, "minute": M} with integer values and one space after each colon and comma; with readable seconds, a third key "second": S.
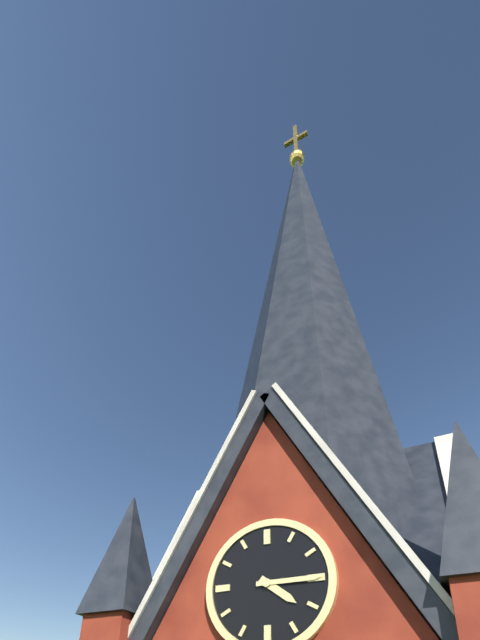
{"hour": 4, "minute": 15}
